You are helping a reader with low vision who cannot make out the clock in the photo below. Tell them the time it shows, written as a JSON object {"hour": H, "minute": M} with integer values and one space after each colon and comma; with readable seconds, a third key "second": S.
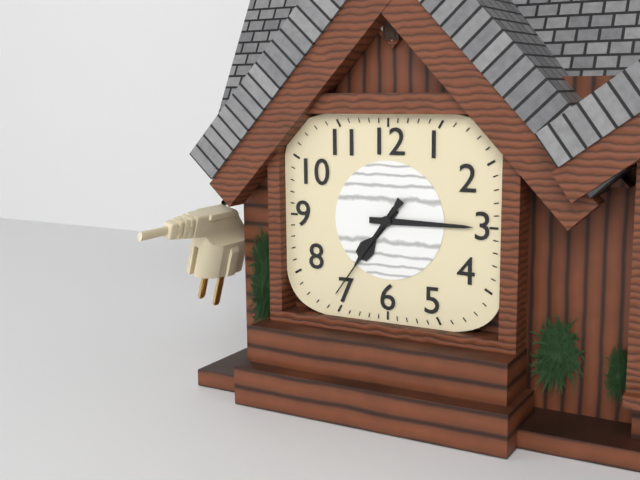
{"hour": 7, "minute": 15, "second": 36}
